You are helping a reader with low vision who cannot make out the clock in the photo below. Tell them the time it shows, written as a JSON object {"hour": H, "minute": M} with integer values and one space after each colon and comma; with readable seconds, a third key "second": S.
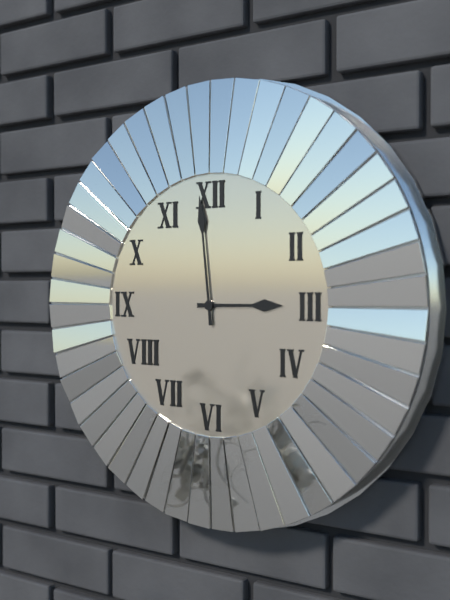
{"hour": 2, "minute": 59}
